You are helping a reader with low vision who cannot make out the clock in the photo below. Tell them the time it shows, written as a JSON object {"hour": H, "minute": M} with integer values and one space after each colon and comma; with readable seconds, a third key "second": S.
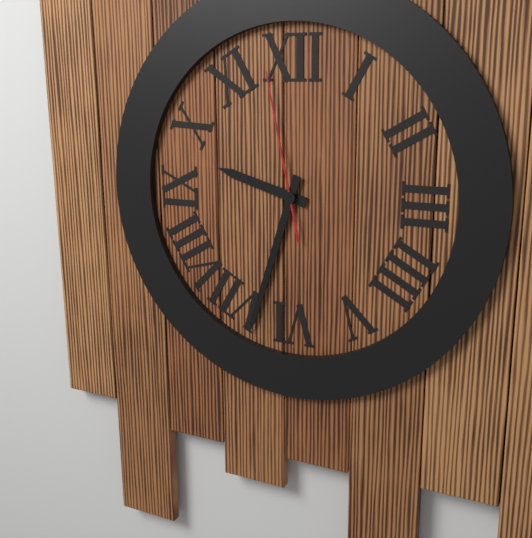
{"hour": 9, "minute": 33, "second": 58}
